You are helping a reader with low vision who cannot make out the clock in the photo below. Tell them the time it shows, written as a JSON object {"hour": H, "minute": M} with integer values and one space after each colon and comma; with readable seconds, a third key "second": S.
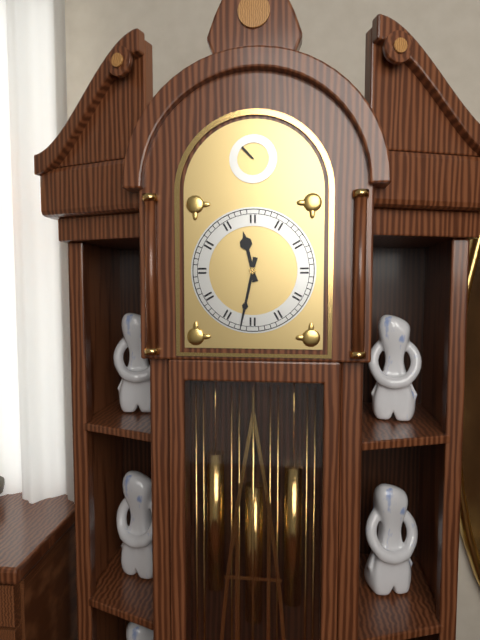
{"hour": 11, "minute": 32}
